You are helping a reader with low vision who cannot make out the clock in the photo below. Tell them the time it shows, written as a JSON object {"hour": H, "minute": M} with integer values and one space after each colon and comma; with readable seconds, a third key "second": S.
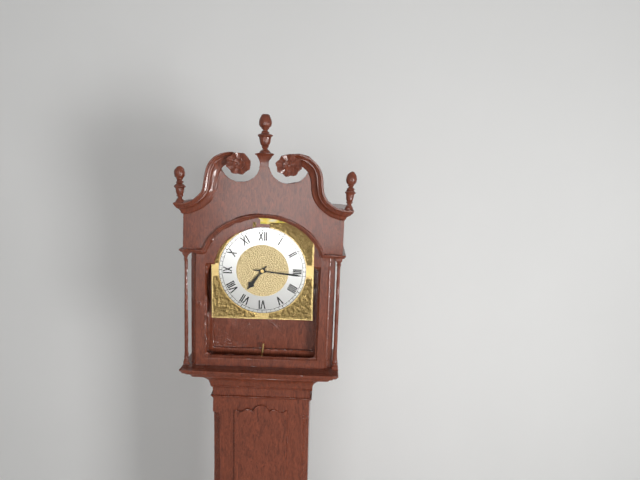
{"hour": 7, "minute": 16}
